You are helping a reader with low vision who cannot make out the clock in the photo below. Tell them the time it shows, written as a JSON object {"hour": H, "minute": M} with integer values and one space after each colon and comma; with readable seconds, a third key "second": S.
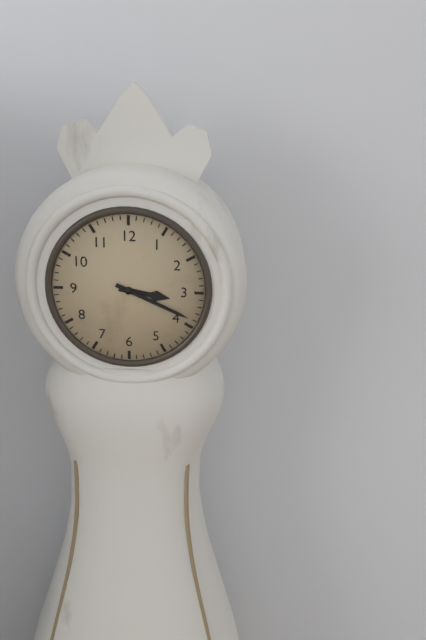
{"hour": 3, "minute": 19}
